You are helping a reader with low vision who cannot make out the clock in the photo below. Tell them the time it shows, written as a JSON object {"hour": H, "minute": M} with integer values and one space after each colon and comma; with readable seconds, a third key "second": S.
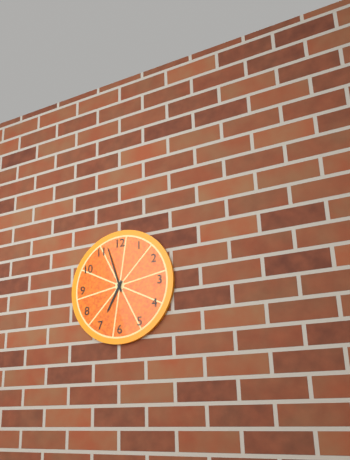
{"hour": 6, "minute": 57}
